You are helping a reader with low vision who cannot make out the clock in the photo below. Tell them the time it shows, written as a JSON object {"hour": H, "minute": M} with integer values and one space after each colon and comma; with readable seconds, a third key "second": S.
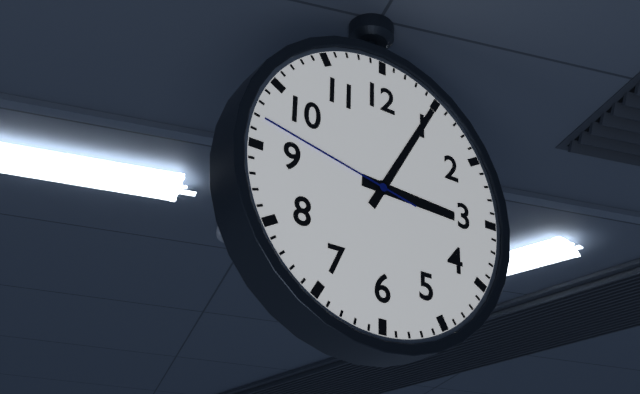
{"hour": 3, "minute": 5, "second": 47}
